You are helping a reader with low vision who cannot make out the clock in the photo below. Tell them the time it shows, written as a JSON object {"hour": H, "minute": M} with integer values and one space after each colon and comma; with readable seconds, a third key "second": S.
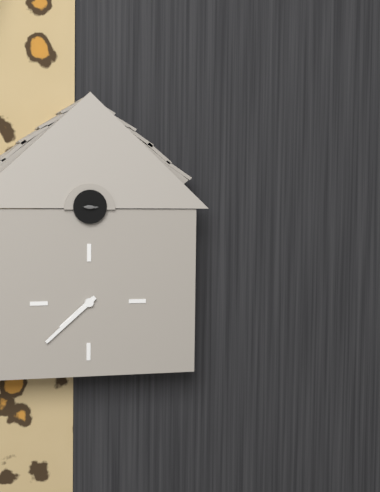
{"hour": 7, "minute": 38}
